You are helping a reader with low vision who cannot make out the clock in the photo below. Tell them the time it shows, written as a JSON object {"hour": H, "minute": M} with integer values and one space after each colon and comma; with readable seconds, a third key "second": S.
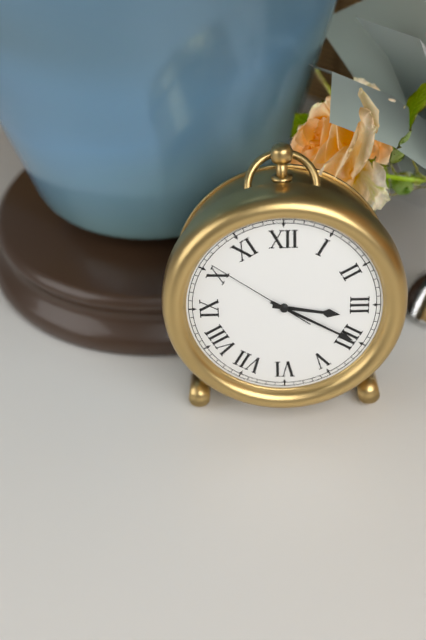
{"hour": 3, "minute": 20, "second": 51}
